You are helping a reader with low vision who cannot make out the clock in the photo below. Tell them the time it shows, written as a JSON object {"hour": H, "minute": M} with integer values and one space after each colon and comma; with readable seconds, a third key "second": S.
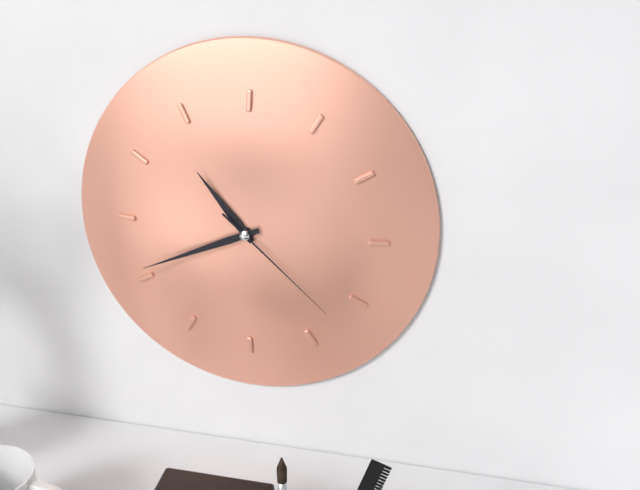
{"hour": 10, "minute": 41, "second": 22}
